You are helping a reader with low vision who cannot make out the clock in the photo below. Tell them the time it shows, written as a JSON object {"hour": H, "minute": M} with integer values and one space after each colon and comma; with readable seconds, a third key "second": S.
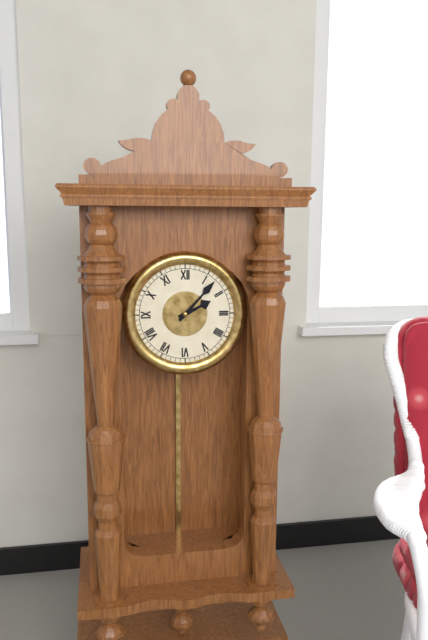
{"hour": 2, "minute": 7}
